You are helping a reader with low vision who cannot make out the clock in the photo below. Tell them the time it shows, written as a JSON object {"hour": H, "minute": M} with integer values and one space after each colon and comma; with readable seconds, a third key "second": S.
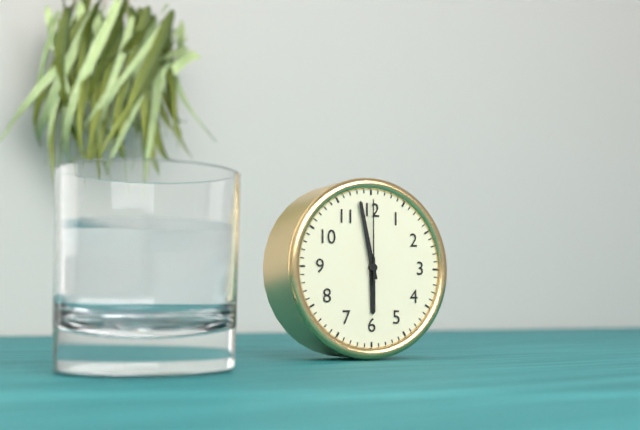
{"hour": 5, "minute": 58, "second": 0}
